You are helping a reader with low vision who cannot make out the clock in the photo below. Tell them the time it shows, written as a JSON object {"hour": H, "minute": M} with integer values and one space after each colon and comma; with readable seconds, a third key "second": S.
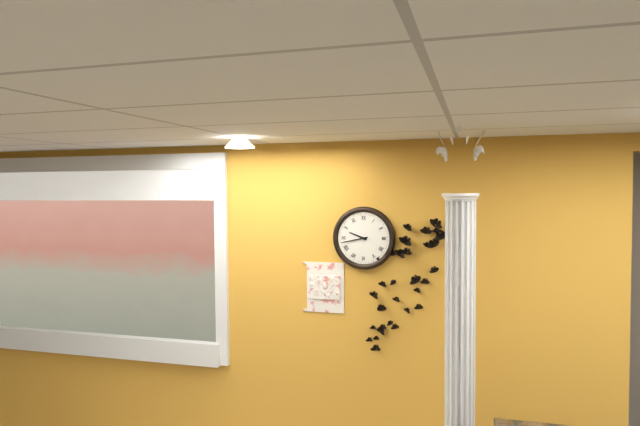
{"hour": 9, "minute": 43}
